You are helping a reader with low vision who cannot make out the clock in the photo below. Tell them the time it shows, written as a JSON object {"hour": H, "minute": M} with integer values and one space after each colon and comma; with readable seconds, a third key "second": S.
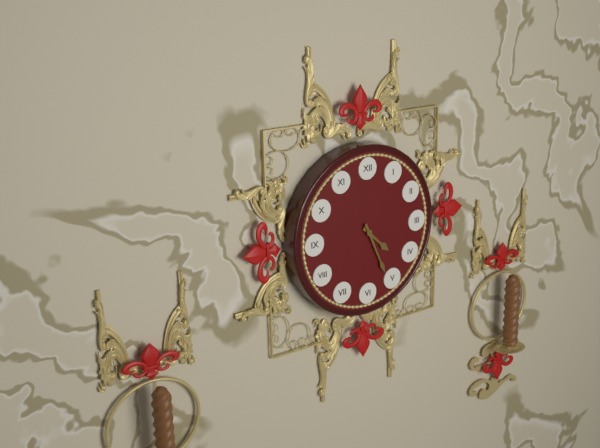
{"hour": 4, "minute": 26}
